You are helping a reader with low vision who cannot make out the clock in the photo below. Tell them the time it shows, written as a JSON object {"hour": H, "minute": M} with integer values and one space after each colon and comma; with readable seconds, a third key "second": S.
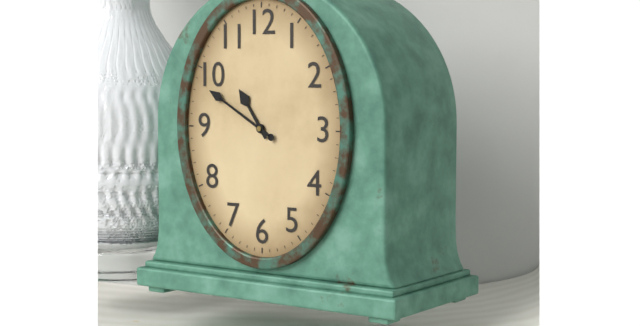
{"hour": 10, "minute": 50}
